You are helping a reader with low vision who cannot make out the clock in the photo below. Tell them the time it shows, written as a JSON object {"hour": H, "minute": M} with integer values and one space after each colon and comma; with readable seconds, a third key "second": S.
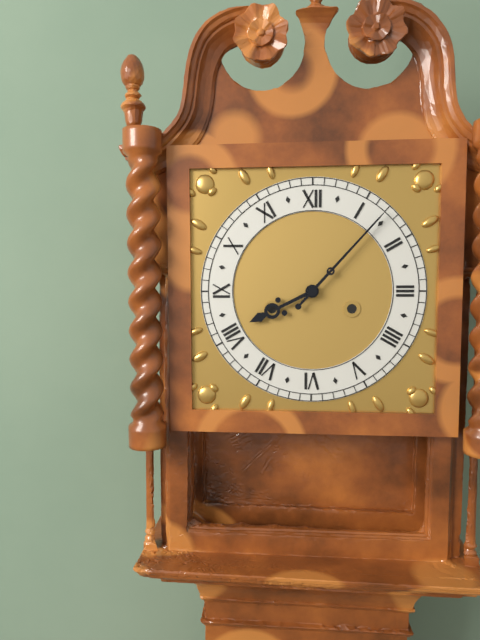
{"hour": 8, "minute": 7}
